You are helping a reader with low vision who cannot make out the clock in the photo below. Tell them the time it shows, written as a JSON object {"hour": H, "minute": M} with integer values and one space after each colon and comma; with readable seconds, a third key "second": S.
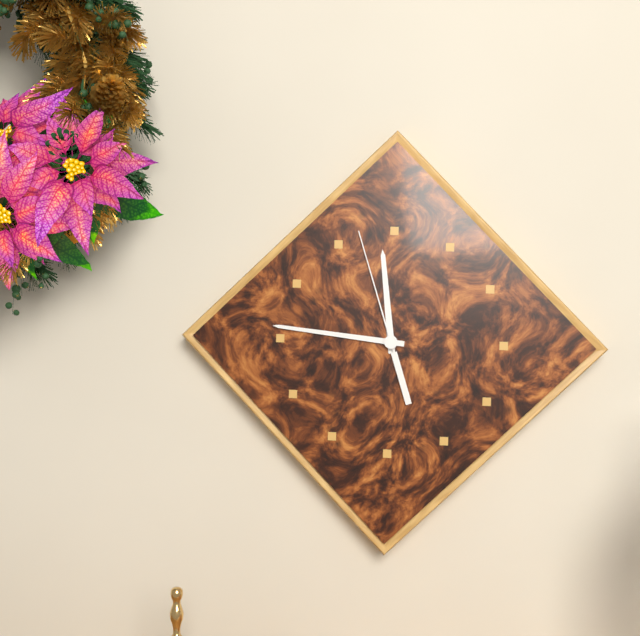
{"hour": 11, "minute": 46, "second": 57}
